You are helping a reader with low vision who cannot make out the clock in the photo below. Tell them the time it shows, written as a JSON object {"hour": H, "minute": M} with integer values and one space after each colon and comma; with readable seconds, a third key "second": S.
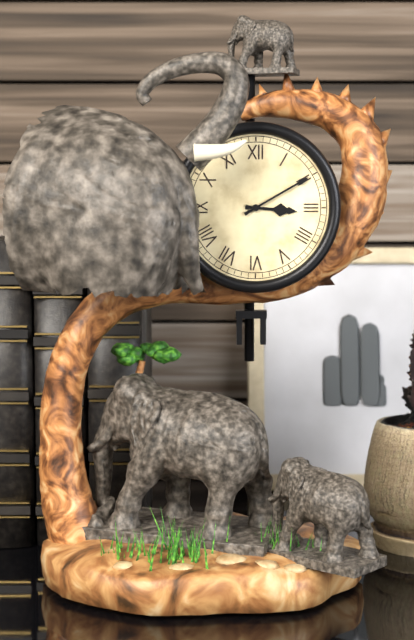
{"hour": 3, "minute": 10}
